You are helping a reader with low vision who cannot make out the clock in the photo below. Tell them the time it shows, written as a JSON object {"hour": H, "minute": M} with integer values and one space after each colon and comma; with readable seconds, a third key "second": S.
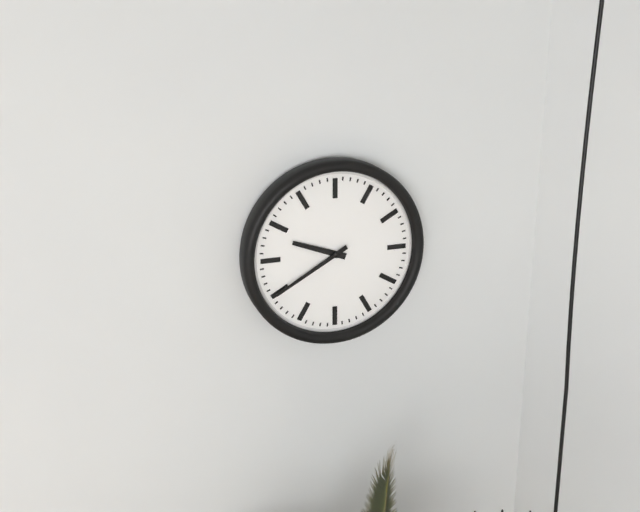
{"hour": 9, "minute": 40}
